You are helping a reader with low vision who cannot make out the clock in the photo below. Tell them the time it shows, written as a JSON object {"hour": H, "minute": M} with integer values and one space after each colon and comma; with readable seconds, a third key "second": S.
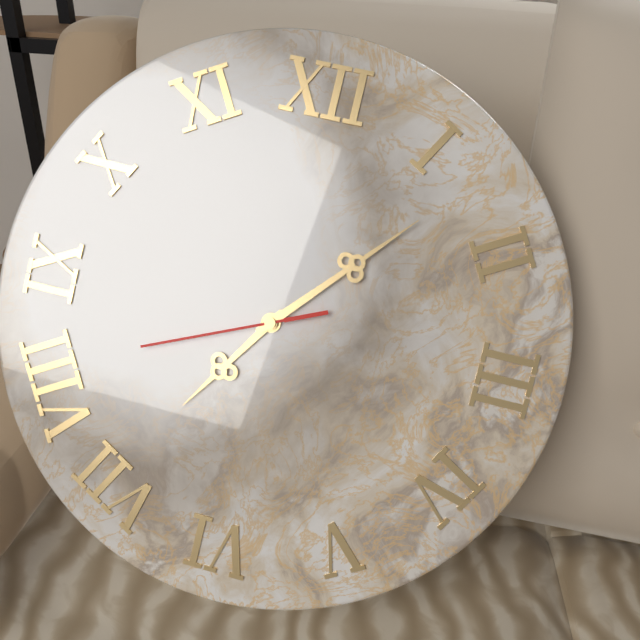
{"hour": 7, "minute": 7, "second": 41}
